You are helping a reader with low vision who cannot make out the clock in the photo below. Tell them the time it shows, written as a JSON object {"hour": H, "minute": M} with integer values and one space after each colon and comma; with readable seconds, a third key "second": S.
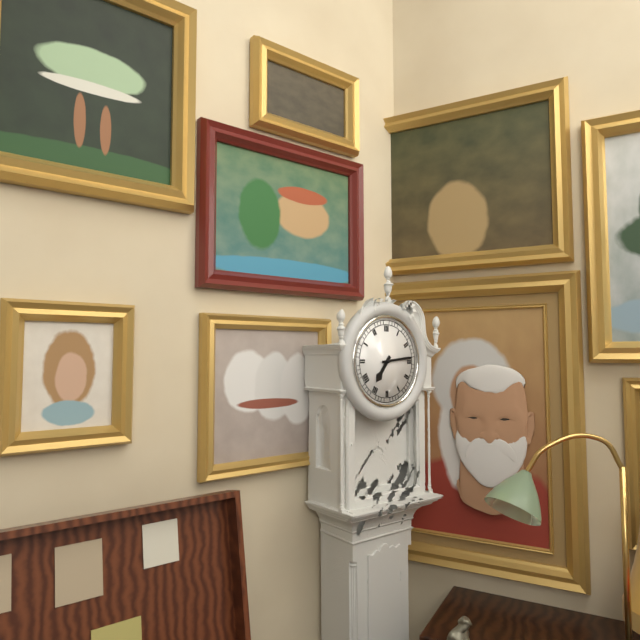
{"hour": 7, "minute": 14}
